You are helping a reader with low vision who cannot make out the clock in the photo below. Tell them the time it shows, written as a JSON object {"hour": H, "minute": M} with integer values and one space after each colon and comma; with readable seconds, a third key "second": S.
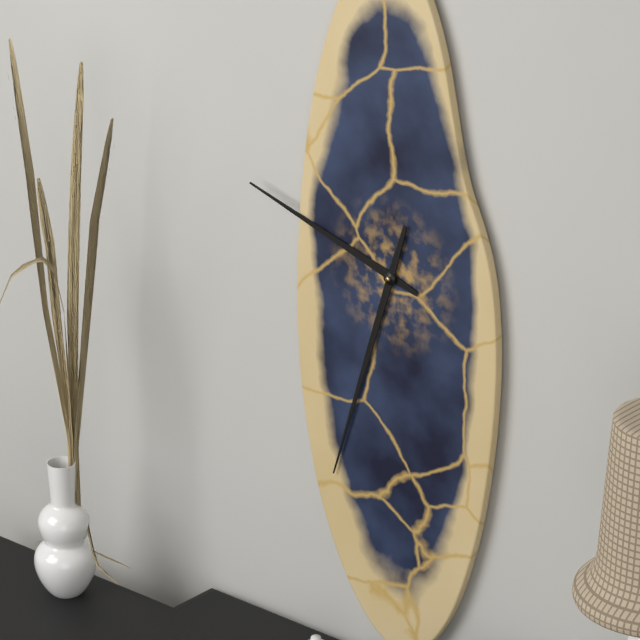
{"hour": 9, "minute": 33}
